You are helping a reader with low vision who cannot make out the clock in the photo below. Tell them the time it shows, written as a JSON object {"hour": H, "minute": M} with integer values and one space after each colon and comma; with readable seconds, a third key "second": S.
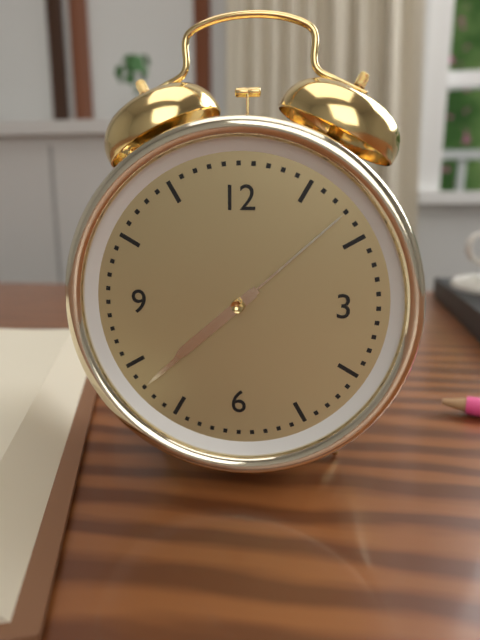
{"hour": 7, "minute": 38, "second": 8}
